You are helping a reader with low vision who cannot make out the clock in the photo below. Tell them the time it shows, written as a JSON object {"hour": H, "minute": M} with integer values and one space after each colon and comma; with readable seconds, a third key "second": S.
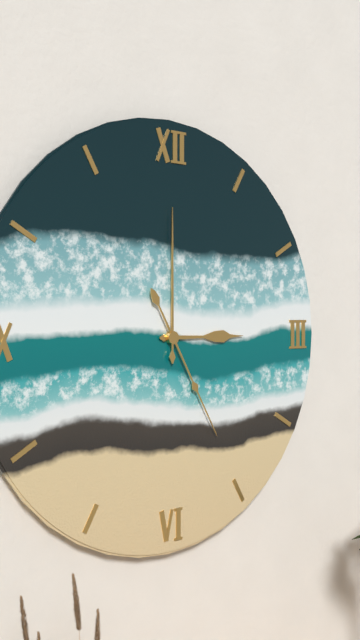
{"hour": 3, "minute": 0, "second": 25}
